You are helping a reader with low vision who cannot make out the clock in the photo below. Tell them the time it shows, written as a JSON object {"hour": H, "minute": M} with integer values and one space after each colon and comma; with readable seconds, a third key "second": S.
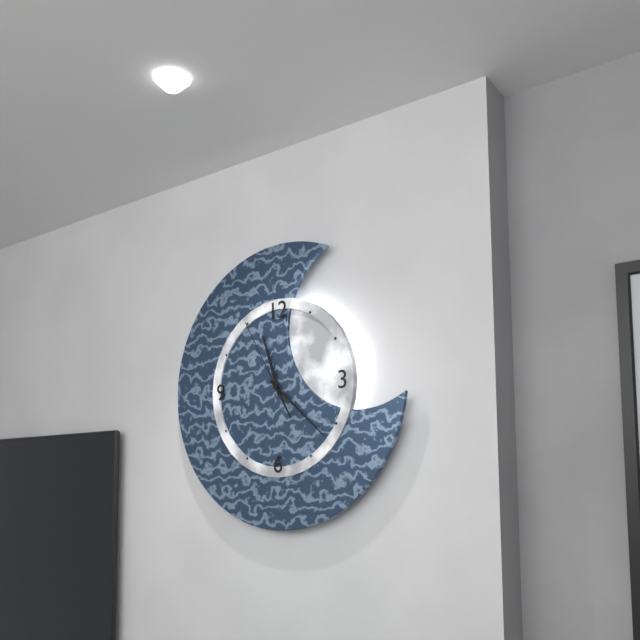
{"hour": 11, "minute": 22, "second": 55}
